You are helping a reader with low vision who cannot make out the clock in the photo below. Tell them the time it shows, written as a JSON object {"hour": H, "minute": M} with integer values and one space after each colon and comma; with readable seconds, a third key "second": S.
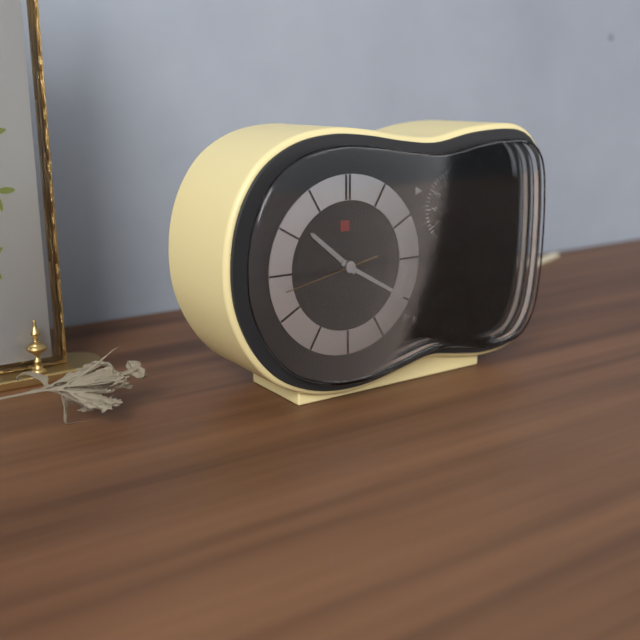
{"hour": 10, "minute": 20, "second": 43}
